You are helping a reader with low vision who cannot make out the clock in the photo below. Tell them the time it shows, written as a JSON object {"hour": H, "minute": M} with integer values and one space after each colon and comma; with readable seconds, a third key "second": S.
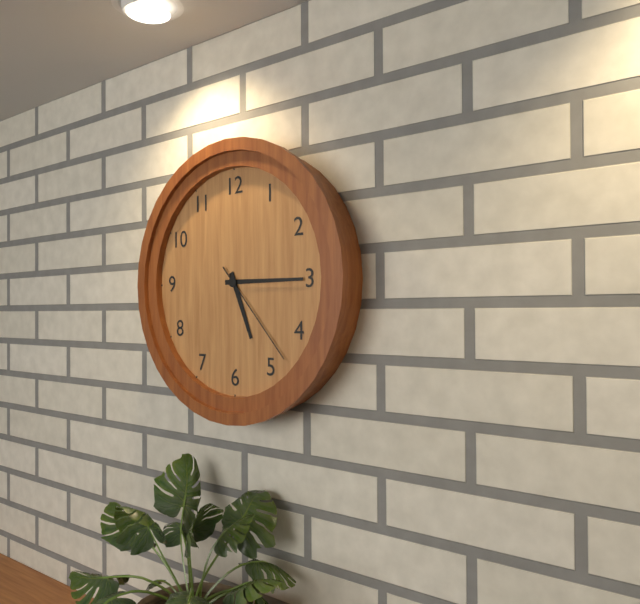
{"hour": 5, "minute": 15, "second": 23}
